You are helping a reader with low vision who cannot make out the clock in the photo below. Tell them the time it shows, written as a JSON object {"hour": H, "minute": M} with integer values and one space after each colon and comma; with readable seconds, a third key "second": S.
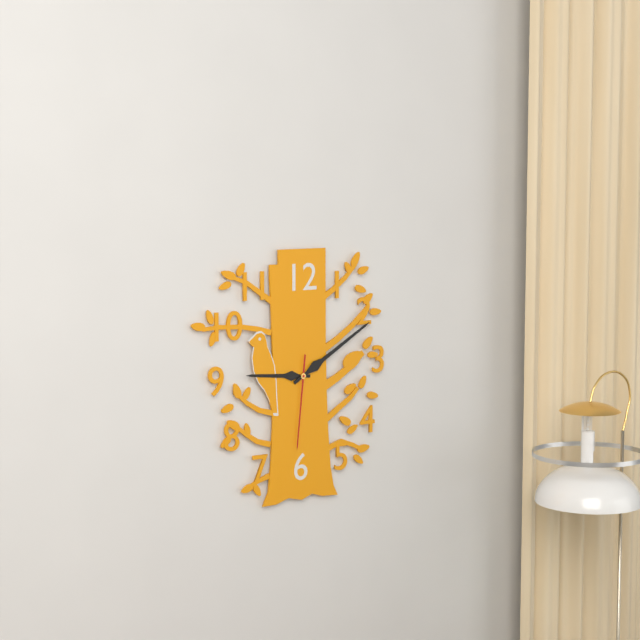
{"hour": 9, "minute": 10, "second": 31}
